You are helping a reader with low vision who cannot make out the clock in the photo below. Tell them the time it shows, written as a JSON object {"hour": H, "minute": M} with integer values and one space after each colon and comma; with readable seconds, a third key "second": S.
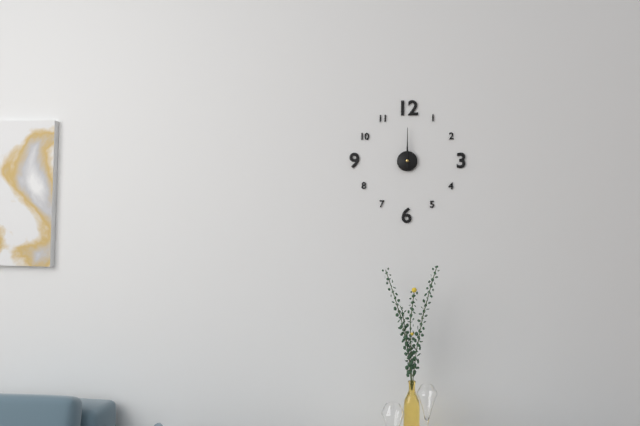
{"hour": 12, "minute": 0}
